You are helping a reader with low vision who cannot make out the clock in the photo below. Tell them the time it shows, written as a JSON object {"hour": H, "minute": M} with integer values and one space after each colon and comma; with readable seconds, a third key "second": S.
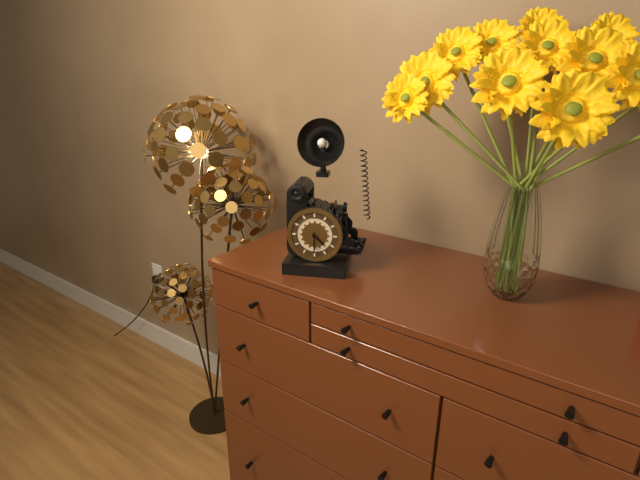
{"hour": 4, "minute": 30}
